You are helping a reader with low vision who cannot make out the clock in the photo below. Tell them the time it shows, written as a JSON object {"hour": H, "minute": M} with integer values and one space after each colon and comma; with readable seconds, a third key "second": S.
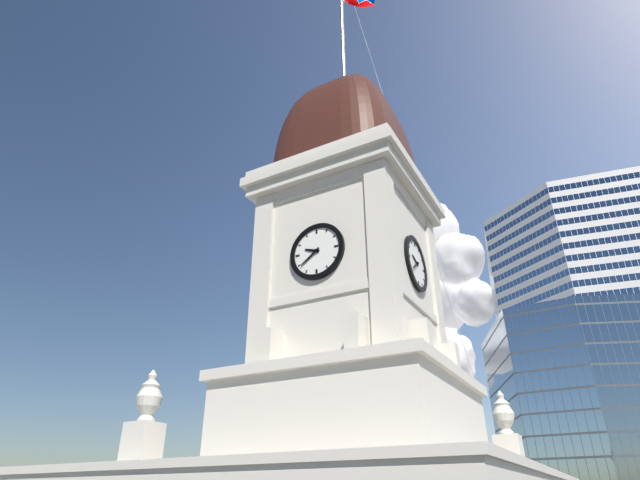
{"hour": 9, "minute": 39}
